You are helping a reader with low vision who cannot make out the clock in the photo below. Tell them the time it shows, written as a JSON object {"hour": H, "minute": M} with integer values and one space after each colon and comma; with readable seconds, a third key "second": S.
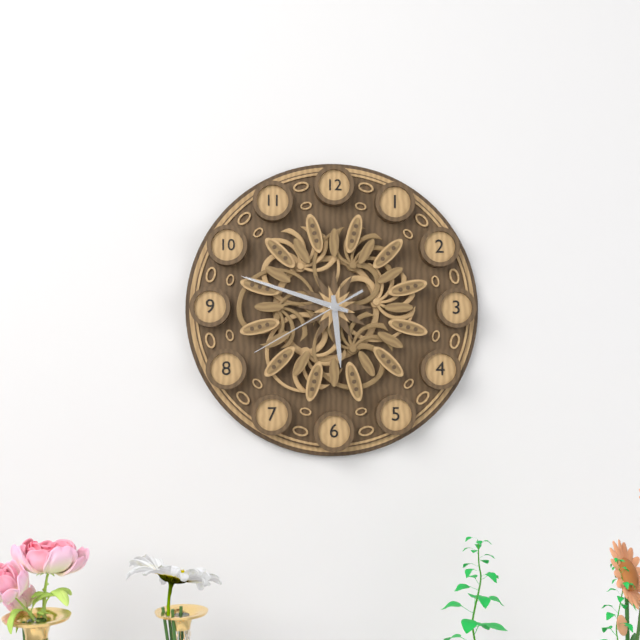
{"hour": 5, "minute": 48, "second": 40}
